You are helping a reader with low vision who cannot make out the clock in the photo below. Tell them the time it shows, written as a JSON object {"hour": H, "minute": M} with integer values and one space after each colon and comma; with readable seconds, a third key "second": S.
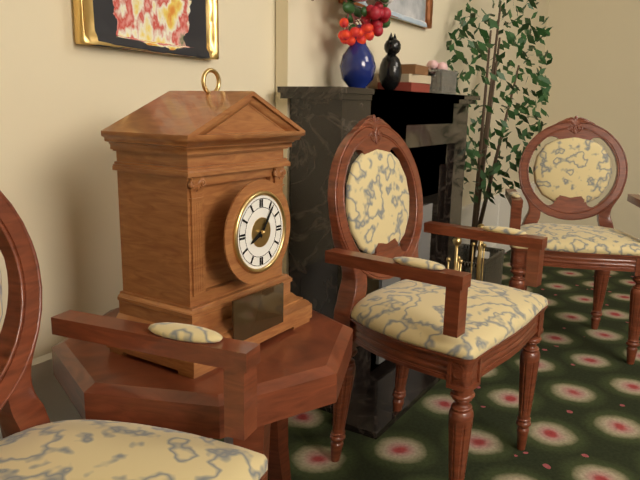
{"hour": 8, "minute": 6}
